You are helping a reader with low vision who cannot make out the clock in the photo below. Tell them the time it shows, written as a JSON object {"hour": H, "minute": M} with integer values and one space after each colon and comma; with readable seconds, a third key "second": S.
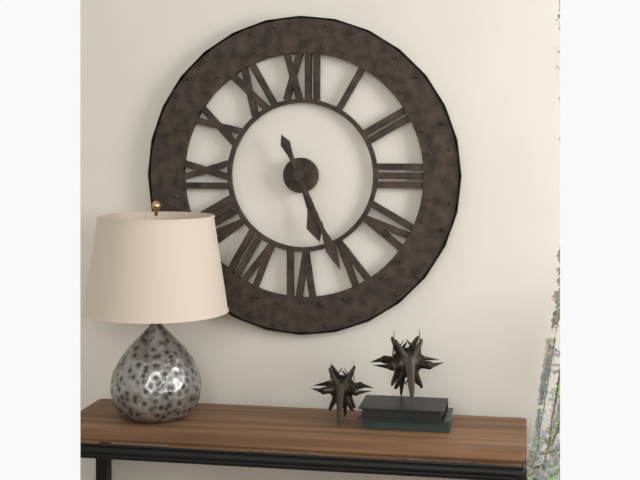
{"hour": 5, "minute": 26}
